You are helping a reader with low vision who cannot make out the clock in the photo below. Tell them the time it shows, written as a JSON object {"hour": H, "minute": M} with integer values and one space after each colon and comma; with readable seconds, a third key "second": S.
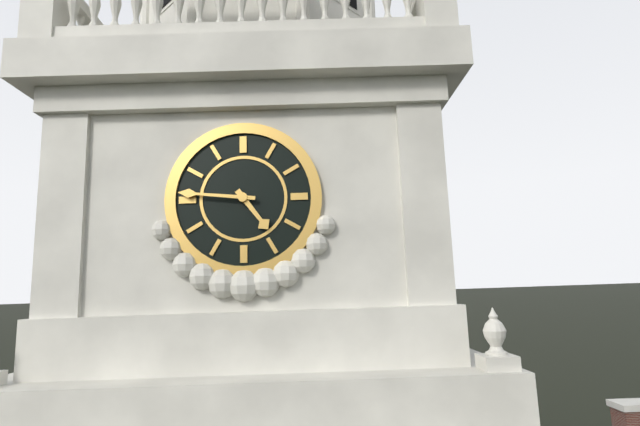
{"hour": 4, "minute": 46}
